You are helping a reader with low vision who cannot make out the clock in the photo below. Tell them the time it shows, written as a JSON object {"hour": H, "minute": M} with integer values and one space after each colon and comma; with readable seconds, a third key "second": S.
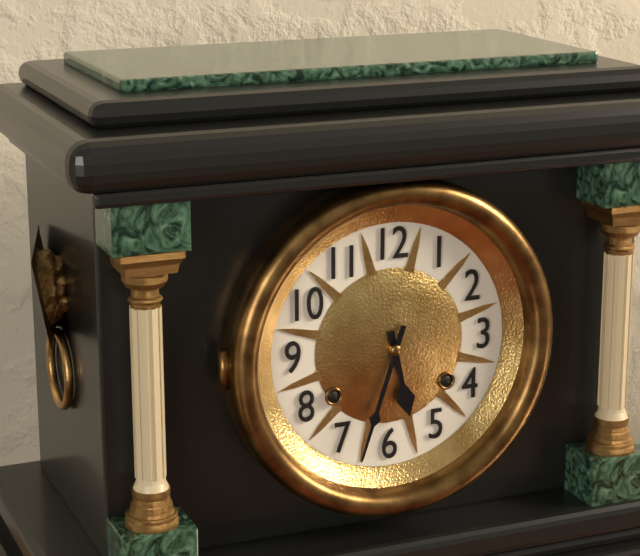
{"hour": 5, "minute": 33}
